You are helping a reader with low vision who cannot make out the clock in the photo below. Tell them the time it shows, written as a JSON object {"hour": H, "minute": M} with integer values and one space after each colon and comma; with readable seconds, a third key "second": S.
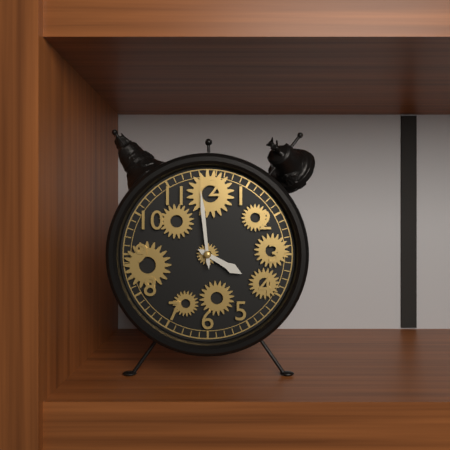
{"hour": 3, "minute": 59}
